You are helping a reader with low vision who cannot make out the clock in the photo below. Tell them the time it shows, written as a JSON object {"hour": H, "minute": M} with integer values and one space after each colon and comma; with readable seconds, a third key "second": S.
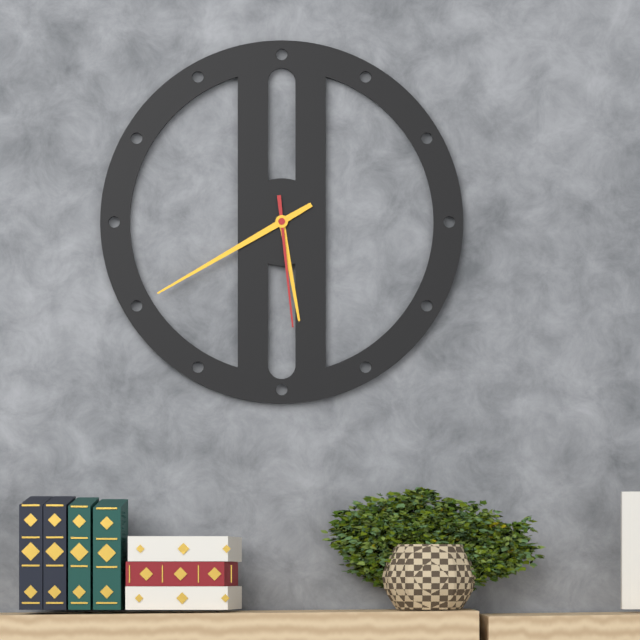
{"hour": 5, "minute": 40, "second": 29}
